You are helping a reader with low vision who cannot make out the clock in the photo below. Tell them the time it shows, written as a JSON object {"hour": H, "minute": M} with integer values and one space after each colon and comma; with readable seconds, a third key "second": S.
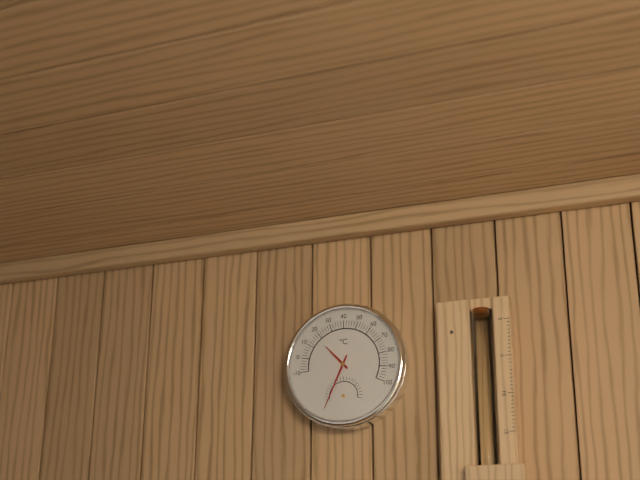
{"hour": 10, "minute": 34}
